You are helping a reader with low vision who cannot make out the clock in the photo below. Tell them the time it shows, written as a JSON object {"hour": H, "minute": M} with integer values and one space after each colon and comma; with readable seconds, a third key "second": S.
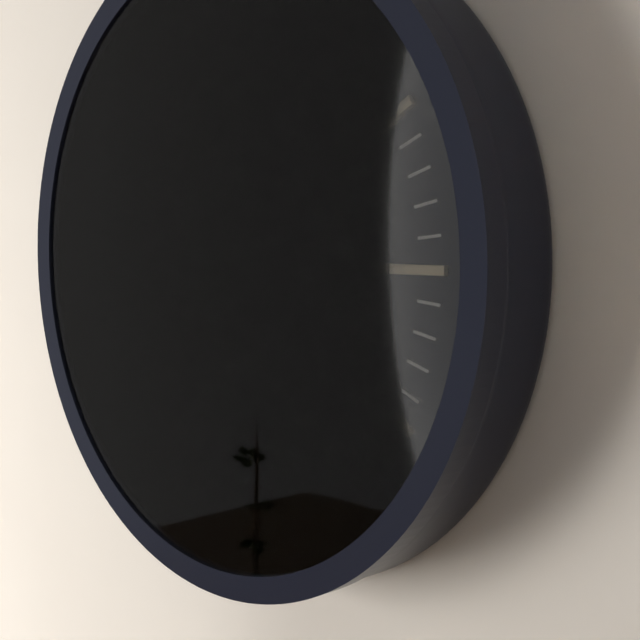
{"hour": 3, "minute": 44}
